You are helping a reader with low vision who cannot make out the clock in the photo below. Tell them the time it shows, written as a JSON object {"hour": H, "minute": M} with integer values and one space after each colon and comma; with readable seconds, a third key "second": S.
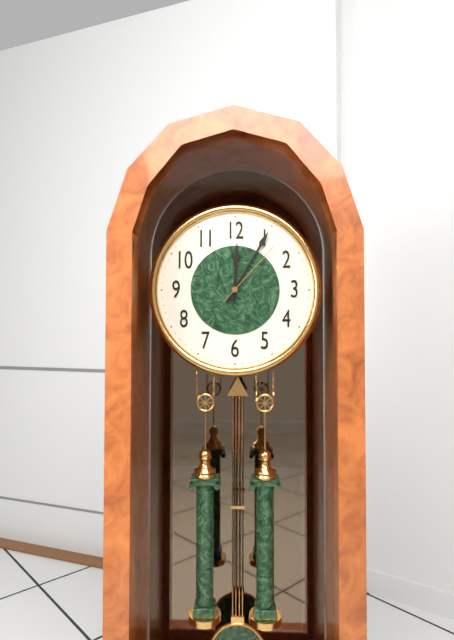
{"hour": 12, "minute": 5, "second": 7}
